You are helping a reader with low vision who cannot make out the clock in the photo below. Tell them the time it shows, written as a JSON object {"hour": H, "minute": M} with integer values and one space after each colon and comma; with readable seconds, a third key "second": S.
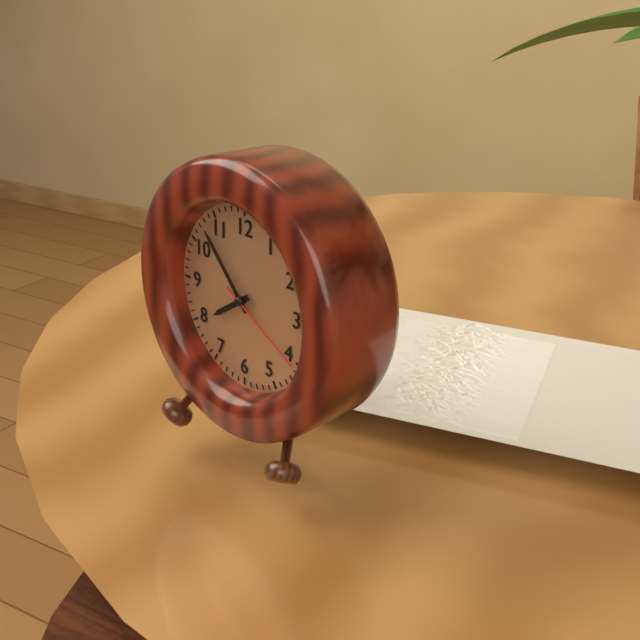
{"hour": 7, "minute": 53, "second": 20}
